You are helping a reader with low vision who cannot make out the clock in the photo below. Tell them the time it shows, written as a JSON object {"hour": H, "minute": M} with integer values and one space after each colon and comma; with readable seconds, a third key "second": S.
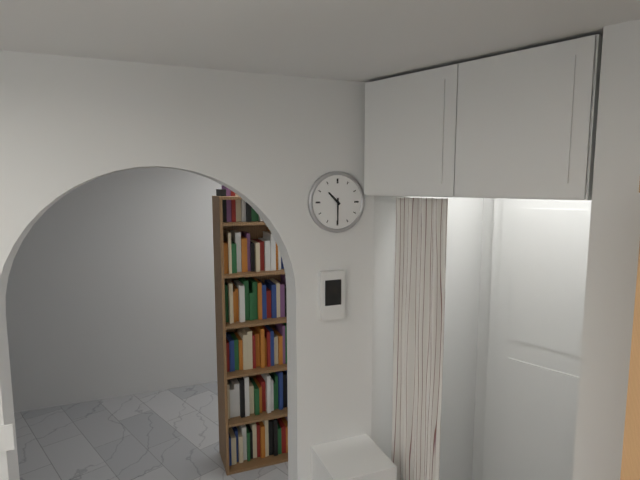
{"hour": 10, "minute": 30}
